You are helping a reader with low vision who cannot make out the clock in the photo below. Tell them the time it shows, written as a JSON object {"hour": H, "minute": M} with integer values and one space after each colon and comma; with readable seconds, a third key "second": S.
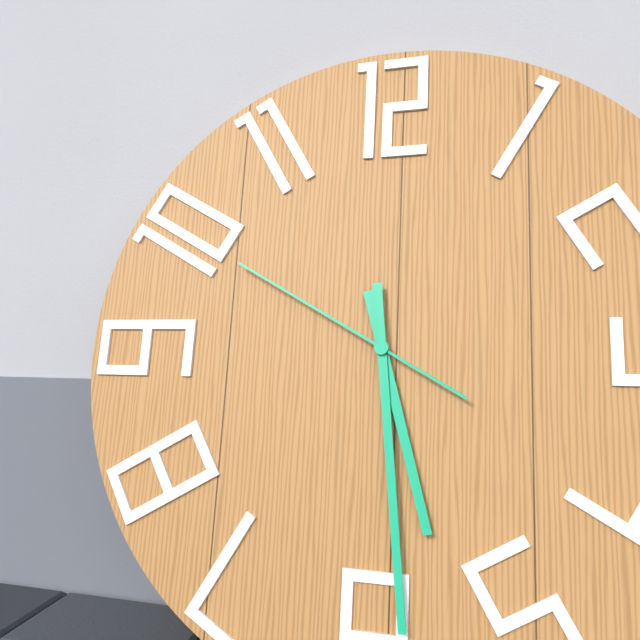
{"hour": 5, "minute": 29, "second": 50}
